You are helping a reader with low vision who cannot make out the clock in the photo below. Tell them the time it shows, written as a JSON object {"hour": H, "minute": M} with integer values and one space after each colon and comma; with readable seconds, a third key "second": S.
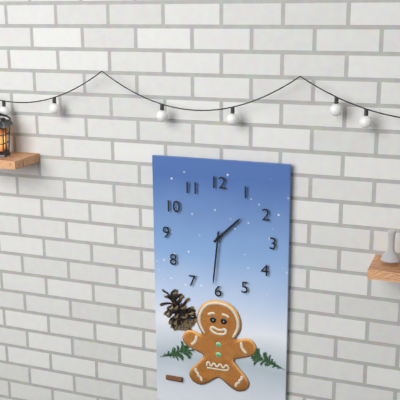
{"hour": 1, "minute": 31}
